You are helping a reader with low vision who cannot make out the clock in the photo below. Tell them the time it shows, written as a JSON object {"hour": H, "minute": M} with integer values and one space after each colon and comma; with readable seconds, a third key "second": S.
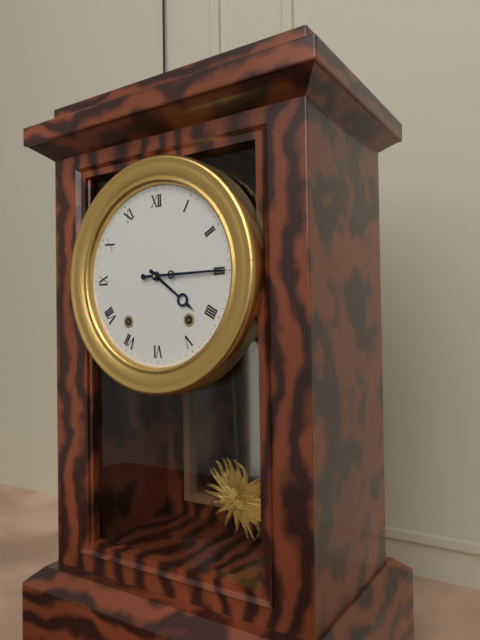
{"hour": 4, "minute": 15}
